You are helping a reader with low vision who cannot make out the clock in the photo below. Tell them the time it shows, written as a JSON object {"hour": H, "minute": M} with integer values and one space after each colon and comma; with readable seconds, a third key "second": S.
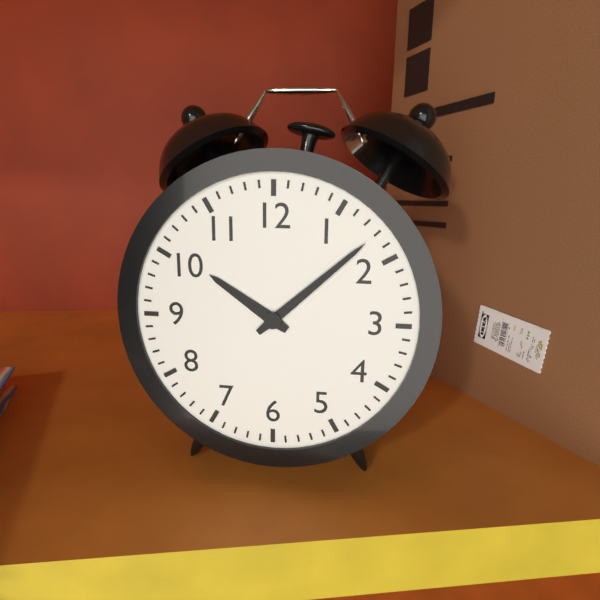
{"hour": 10, "minute": 8}
